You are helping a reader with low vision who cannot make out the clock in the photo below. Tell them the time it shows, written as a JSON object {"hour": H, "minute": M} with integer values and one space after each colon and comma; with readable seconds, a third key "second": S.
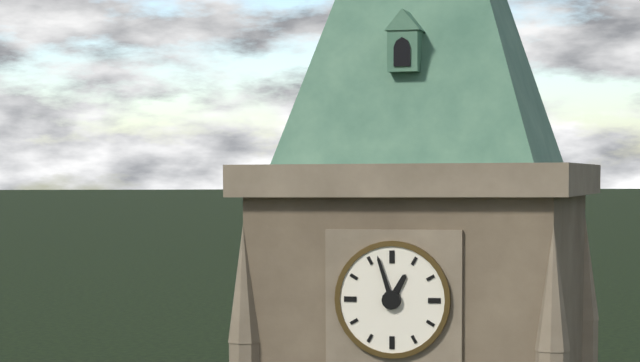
{"hour": 12, "minute": 57}
